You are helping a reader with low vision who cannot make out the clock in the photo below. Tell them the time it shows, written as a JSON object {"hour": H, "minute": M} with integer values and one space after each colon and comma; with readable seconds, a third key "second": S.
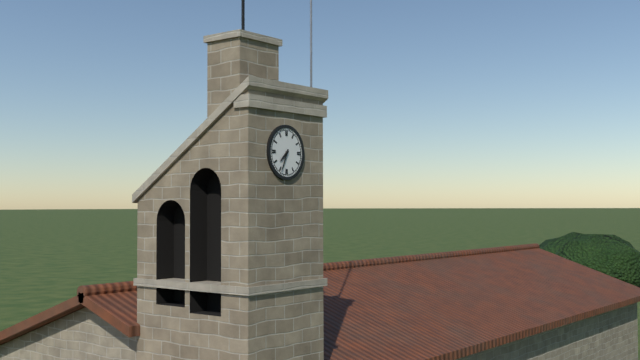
{"hour": 7, "minute": 34}
